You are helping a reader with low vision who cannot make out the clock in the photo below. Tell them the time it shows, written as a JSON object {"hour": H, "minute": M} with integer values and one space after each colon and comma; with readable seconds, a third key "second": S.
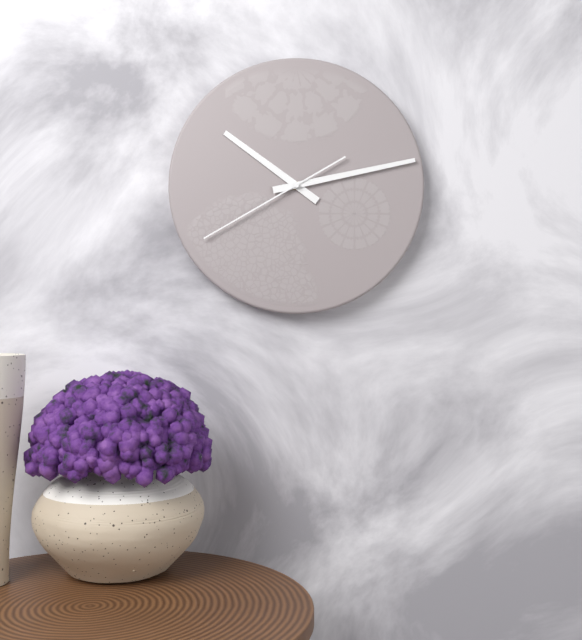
{"hour": 10, "minute": 13, "second": 40}
